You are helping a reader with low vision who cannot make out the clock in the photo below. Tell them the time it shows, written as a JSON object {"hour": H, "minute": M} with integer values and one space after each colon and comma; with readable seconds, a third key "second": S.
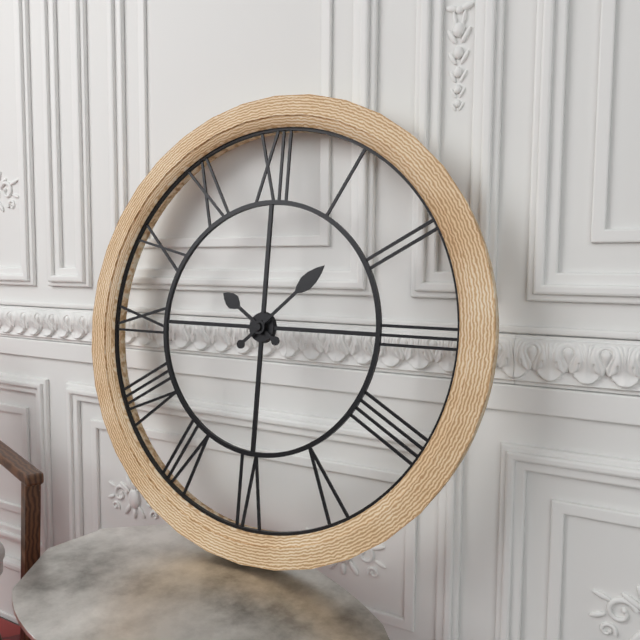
{"hour": 10, "minute": 8}
